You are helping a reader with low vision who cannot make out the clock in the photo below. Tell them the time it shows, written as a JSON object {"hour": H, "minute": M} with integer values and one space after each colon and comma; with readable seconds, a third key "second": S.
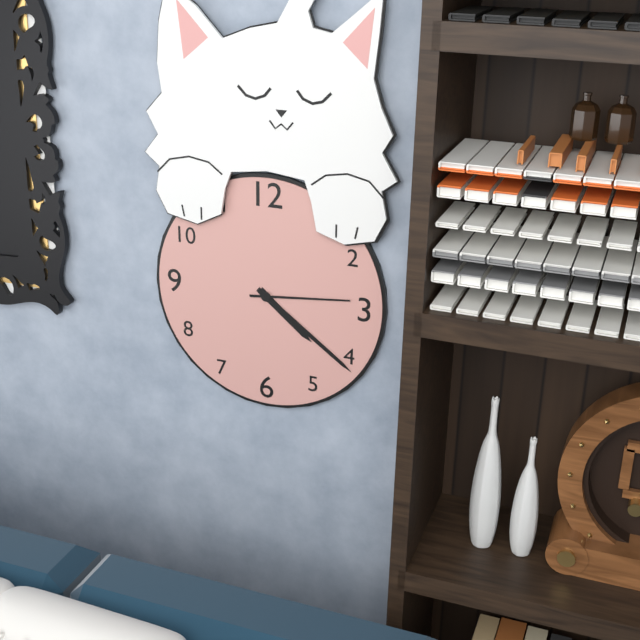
{"hour": 4, "minute": 21, "second": 14}
